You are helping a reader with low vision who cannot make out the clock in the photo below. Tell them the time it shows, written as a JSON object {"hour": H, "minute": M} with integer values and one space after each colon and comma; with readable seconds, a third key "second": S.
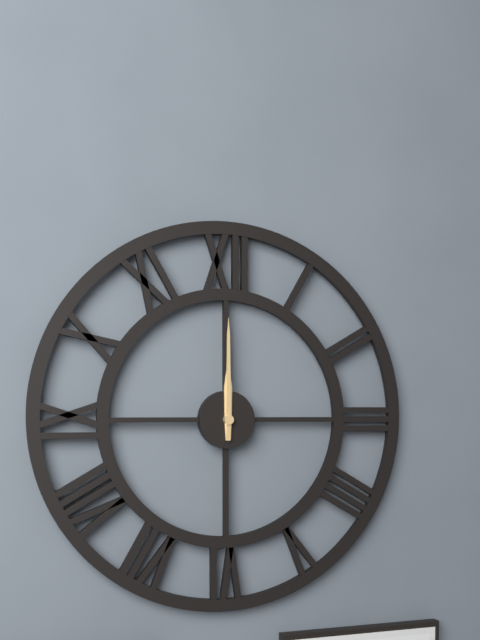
{"hour": 12, "minute": 0}
